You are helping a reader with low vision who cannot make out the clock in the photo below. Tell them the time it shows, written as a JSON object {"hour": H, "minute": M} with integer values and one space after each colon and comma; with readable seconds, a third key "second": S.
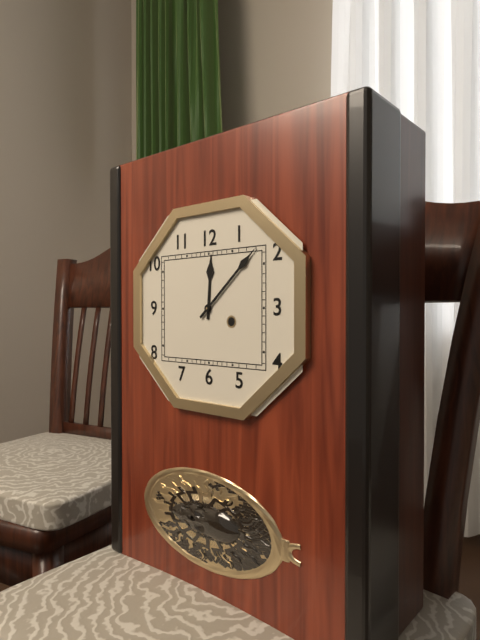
{"hour": 12, "minute": 8}
